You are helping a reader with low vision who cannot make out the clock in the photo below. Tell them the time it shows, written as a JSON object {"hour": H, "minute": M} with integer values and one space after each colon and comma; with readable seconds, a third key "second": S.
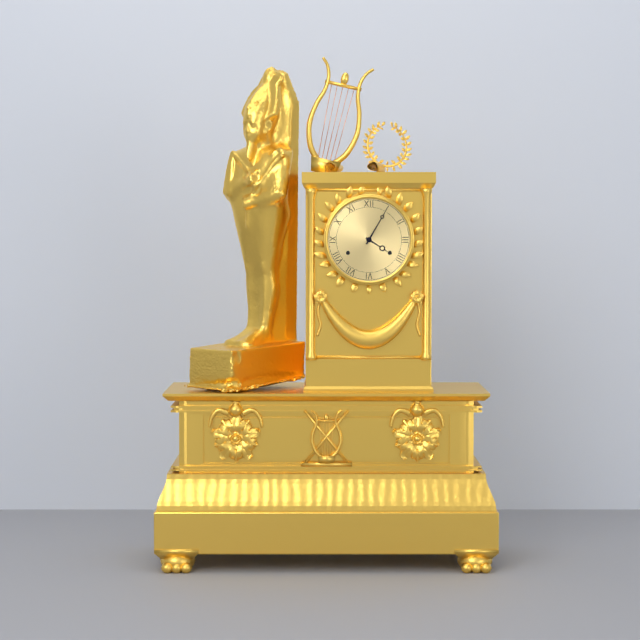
{"hour": 4, "minute": 5}
